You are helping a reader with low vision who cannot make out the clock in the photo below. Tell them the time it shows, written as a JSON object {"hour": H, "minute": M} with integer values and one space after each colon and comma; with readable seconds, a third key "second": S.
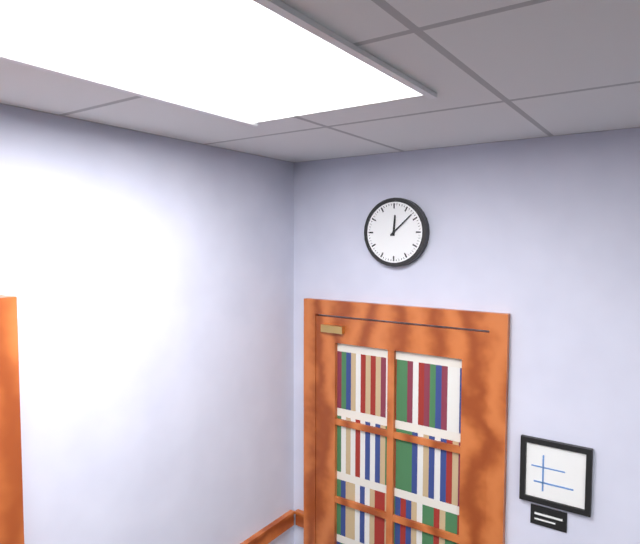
{"hour": 12, "minute": 8}
